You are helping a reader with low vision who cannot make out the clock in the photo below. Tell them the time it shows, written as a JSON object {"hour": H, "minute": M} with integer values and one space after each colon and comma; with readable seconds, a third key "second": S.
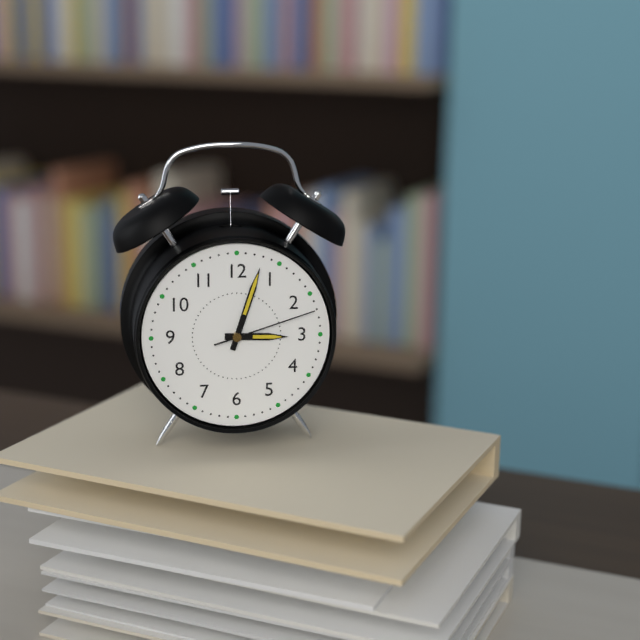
{"hour": 3, "minute": 3, "second": 12}
